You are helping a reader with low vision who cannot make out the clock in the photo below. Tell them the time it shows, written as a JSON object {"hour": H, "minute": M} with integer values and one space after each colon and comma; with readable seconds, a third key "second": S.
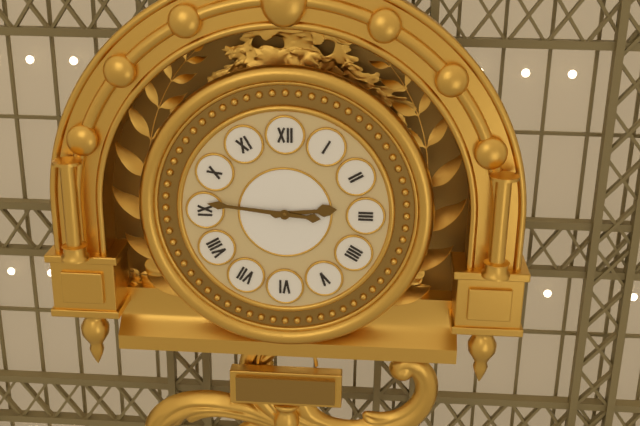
{"hour": 2, "minute": 46}
